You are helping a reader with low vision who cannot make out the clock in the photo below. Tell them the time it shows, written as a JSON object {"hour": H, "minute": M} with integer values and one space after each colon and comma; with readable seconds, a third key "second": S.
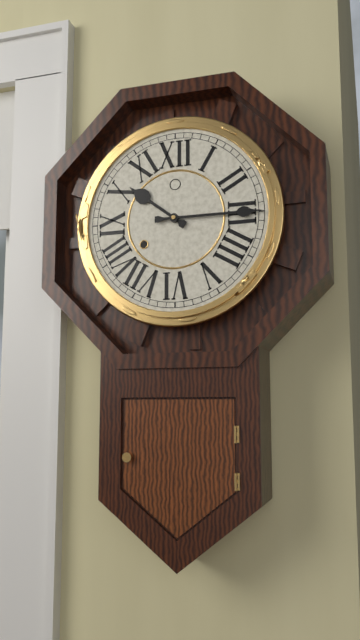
{"hour": 10, "minute": 15}
